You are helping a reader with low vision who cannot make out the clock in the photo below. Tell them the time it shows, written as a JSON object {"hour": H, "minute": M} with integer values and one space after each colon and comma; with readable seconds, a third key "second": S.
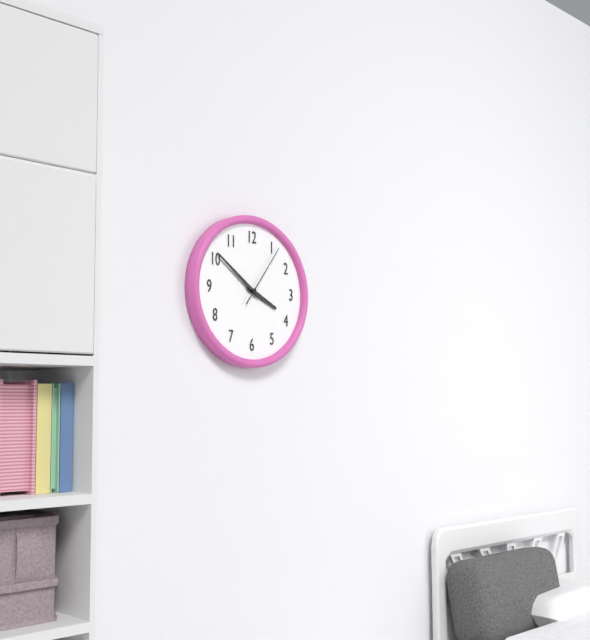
{"hour": 3, "minute": 51, "second": 6}
